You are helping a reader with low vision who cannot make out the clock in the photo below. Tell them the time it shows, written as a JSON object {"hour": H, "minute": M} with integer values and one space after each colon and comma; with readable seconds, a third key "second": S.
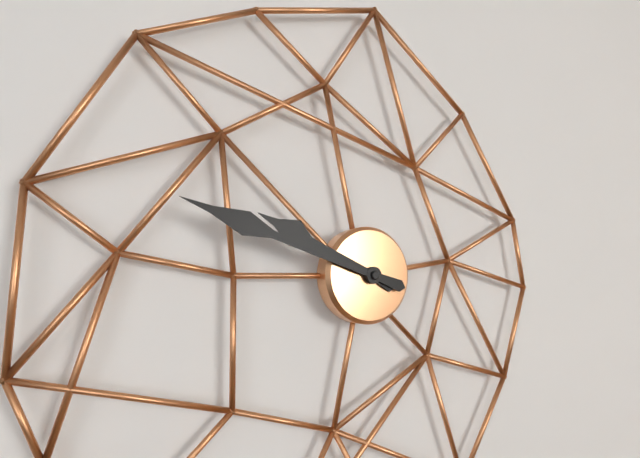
{"hour": 9, "minute": 48}
